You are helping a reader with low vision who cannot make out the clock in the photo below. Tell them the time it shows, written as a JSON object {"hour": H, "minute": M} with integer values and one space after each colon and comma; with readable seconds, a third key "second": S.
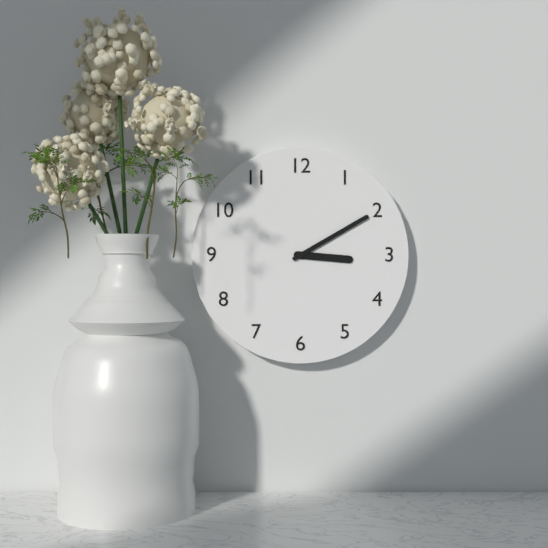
{"hour": 3, "minute": 10}
